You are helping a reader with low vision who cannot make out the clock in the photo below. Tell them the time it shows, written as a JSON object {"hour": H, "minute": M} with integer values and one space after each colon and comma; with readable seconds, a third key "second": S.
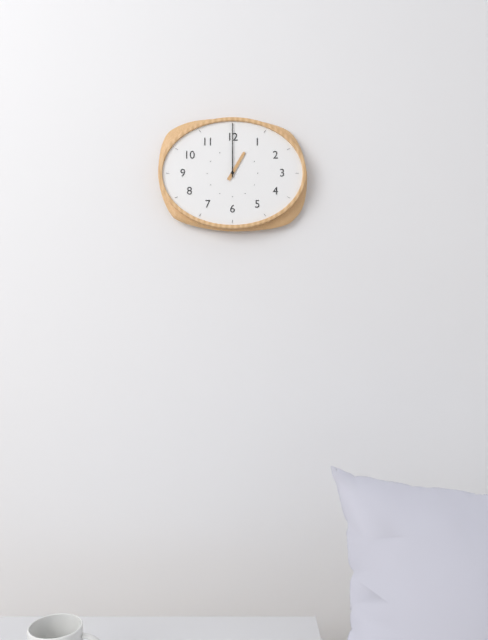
{"hour": 1, "minute": 0}
